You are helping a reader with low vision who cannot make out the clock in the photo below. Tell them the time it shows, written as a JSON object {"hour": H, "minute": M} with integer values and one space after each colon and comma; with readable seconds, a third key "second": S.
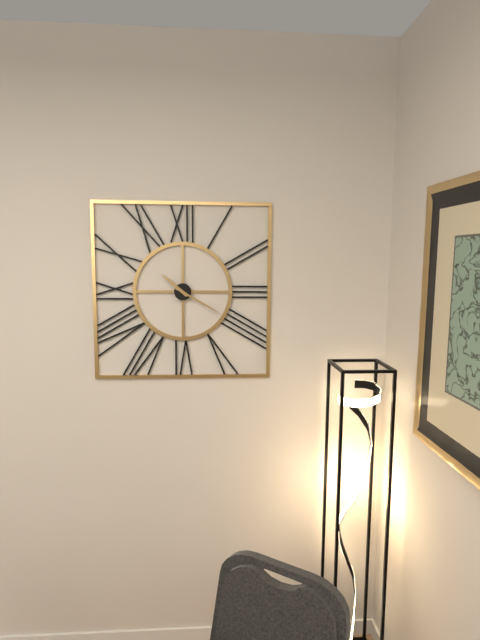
{"hour": 10, "minute": 20}
